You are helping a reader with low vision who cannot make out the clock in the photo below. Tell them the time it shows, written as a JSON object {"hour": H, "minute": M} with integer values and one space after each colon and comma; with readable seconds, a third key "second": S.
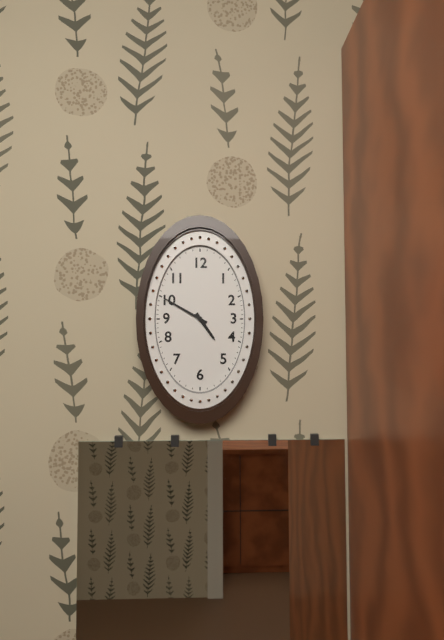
{"hour": 4, "minute": 50}
